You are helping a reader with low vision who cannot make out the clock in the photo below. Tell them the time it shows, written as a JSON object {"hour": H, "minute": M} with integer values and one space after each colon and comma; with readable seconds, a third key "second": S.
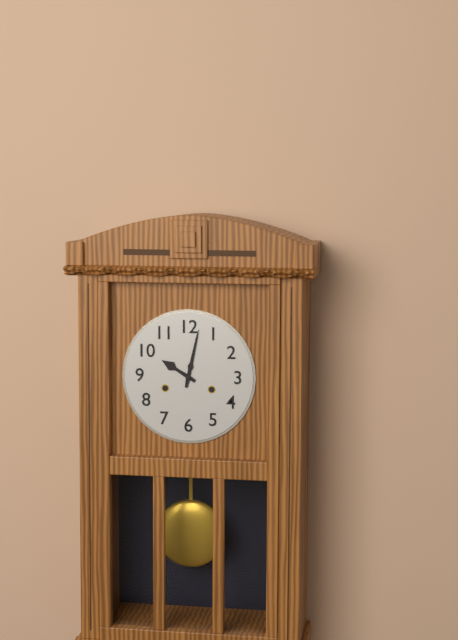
{"hour": 10, "minute": 2}
